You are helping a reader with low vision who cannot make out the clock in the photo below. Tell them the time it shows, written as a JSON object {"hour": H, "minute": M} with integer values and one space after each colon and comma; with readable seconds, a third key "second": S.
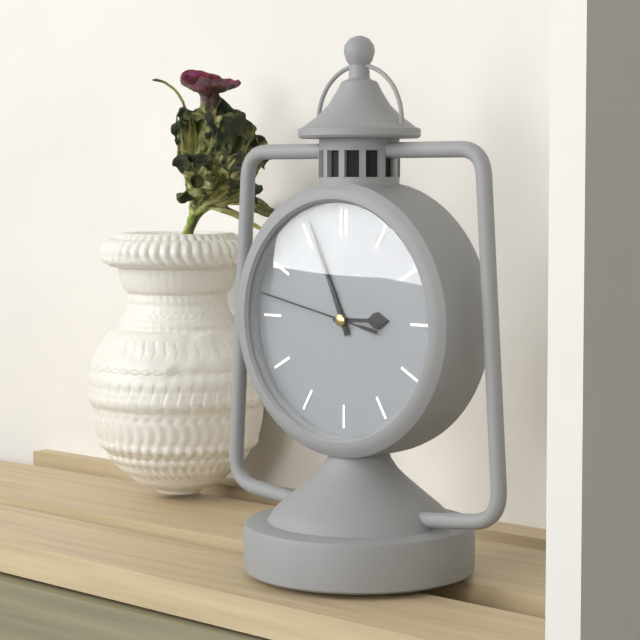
{"hour": 2, "minute": 56, "second": 47}
